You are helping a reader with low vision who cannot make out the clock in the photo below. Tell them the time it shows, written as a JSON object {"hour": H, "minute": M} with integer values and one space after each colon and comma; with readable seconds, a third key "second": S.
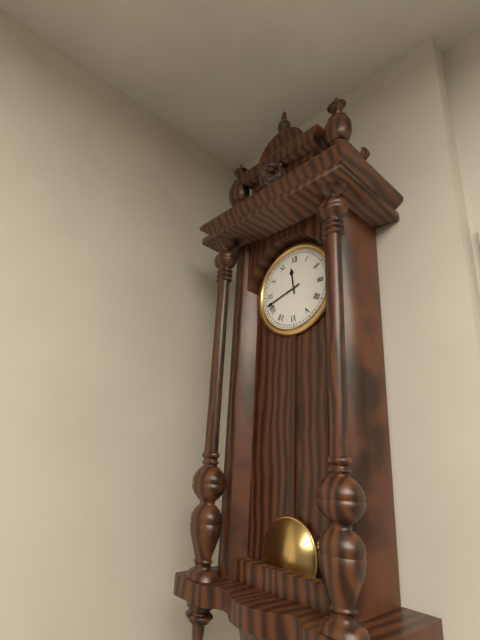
{"hour": 11, "minute": 42}
